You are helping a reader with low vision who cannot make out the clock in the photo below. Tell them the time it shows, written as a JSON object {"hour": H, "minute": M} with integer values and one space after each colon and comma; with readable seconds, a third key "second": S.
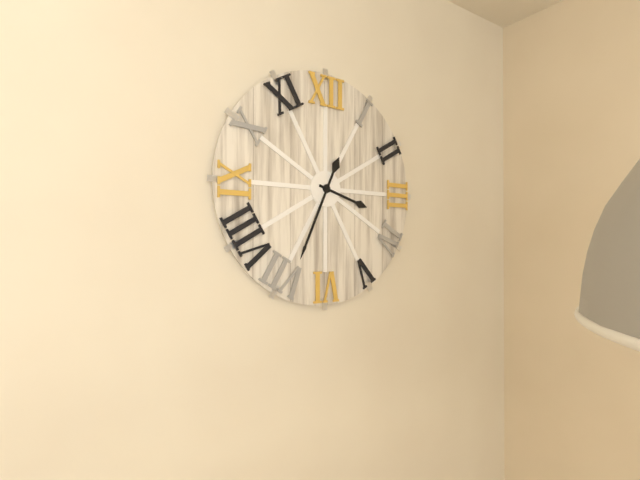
{"hour": 3, "minute": 34}
